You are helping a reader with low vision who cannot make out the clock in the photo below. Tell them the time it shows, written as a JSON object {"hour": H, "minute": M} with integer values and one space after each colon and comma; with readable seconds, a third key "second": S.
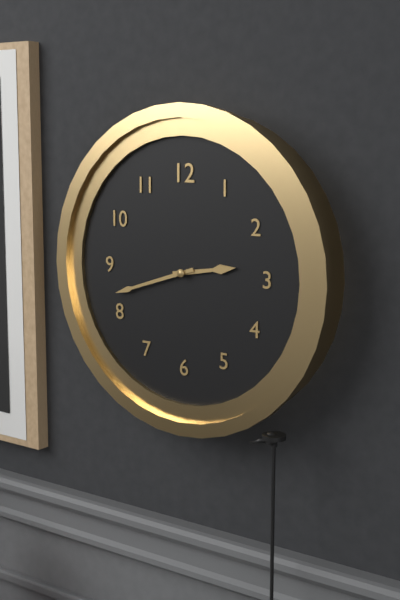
{"hour": 2, "minute": 42}
